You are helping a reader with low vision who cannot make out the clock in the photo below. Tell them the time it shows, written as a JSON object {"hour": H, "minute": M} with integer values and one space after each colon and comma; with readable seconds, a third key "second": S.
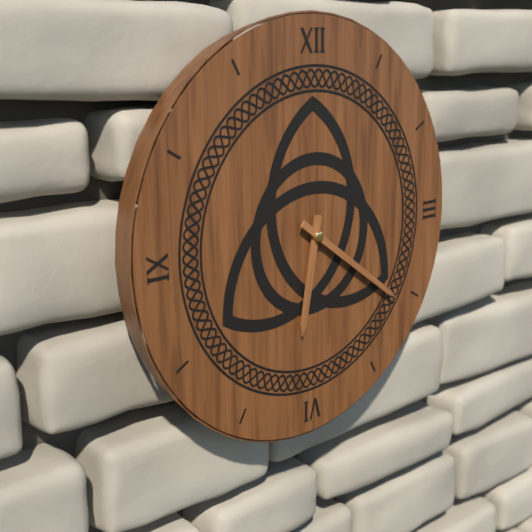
{"hour": 6, "minute": 21}
